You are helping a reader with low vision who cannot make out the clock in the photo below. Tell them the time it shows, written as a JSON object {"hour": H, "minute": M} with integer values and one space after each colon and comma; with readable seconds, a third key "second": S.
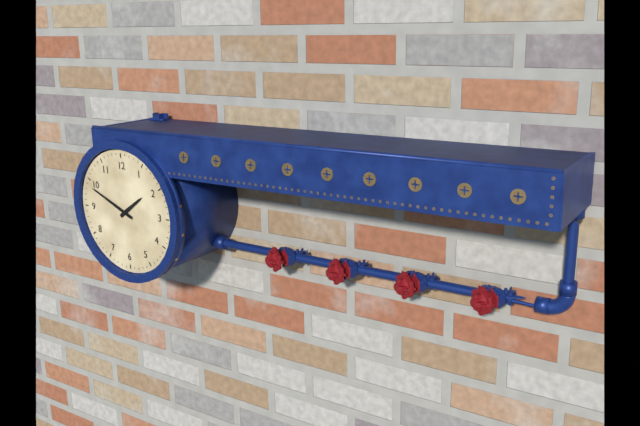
{"hour": 1, "minute": 49}
